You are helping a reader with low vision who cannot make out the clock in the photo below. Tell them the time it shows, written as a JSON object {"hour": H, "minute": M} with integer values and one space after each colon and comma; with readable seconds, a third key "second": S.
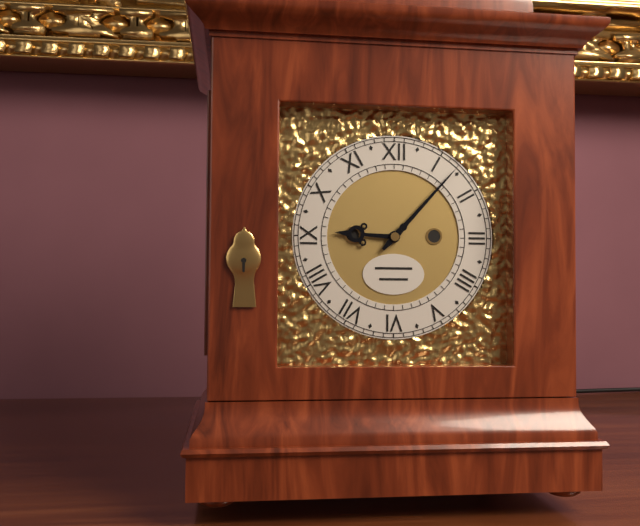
{"hour": 9, "minute": 7}
